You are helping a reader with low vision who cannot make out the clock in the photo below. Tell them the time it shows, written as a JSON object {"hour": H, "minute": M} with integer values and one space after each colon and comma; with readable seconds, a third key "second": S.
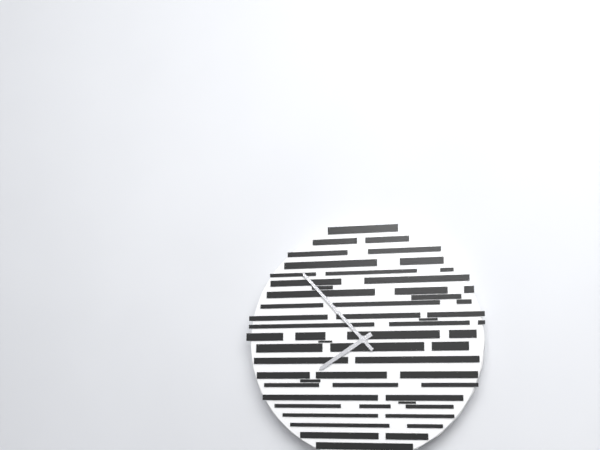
{"hour": 7, "minute": 53}
